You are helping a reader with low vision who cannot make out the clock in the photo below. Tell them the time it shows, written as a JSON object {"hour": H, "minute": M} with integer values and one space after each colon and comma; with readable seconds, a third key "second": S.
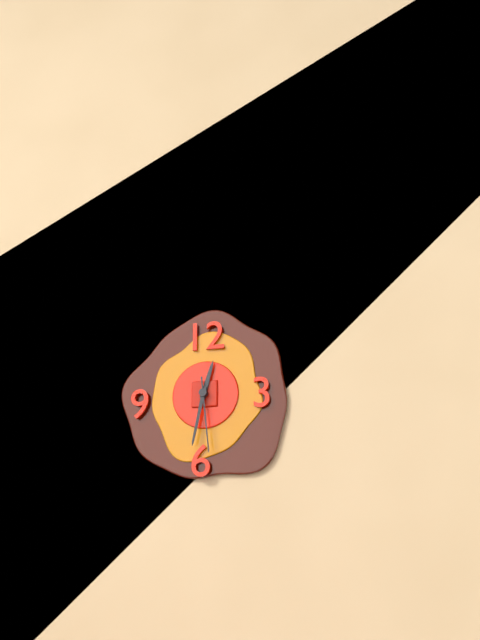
{"hour": 12, "minute": 32, "second": 29}
